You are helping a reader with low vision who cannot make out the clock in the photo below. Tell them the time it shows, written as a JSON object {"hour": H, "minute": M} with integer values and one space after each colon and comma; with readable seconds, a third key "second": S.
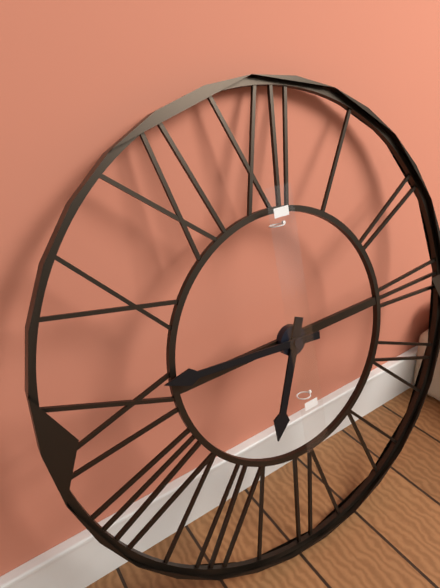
{"hour": 6, "minute": 46}
